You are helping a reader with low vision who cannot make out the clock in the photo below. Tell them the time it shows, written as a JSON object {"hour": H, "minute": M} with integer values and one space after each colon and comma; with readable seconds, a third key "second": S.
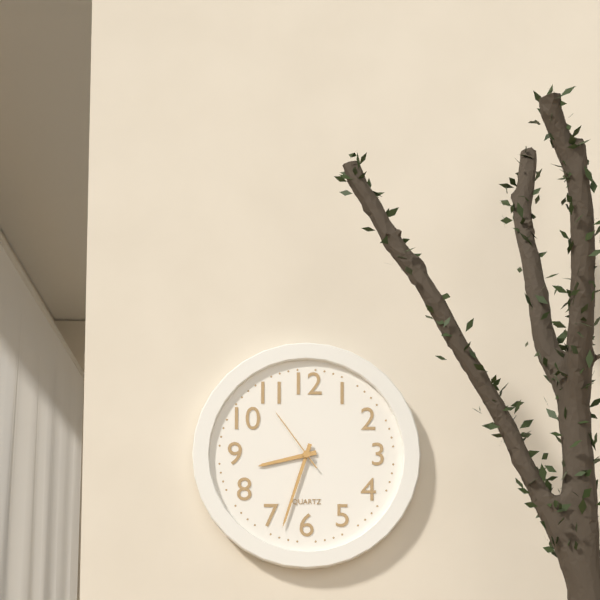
{"hour": 8, "minute": 33, "second": 54}
